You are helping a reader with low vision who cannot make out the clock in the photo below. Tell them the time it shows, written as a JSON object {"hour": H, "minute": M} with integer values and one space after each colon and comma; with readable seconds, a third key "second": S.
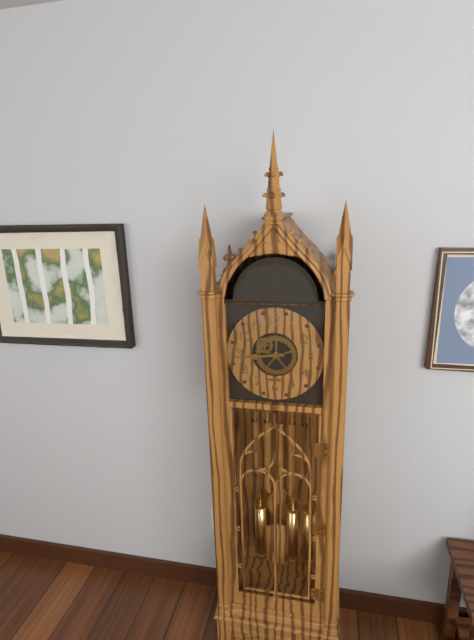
{"hour": 8, "minute": 44}
